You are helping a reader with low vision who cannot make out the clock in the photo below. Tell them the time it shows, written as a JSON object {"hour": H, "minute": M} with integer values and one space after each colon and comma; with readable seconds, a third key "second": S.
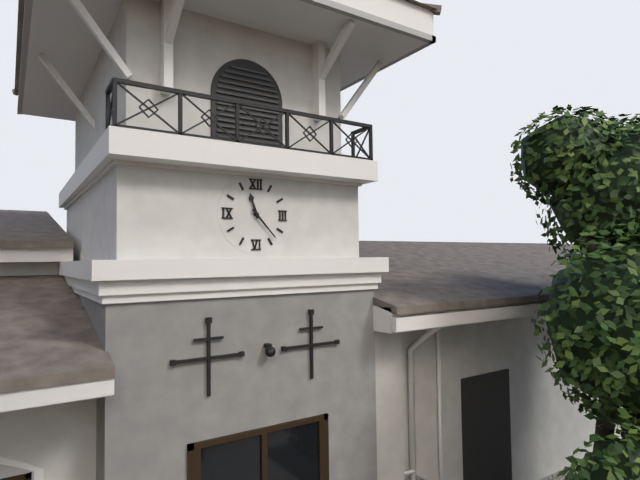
{"hour": 11, "minute": 23}
